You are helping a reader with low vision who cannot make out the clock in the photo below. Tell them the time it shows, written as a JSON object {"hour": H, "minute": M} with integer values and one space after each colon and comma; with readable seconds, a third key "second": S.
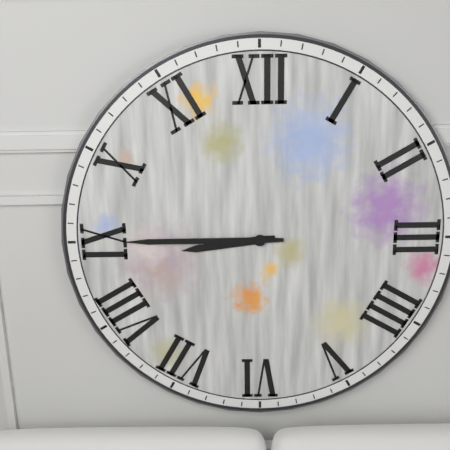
{"hour": 8, "minute": 45}
